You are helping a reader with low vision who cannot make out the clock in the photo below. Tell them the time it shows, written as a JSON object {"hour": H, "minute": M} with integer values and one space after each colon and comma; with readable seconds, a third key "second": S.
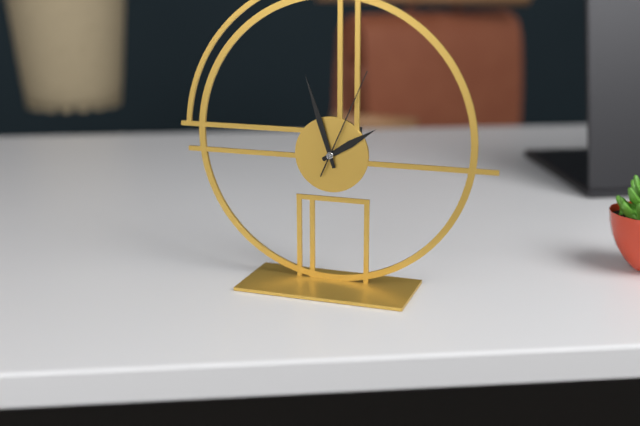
{"hour": 1, "minute": 57, "second": 4}
